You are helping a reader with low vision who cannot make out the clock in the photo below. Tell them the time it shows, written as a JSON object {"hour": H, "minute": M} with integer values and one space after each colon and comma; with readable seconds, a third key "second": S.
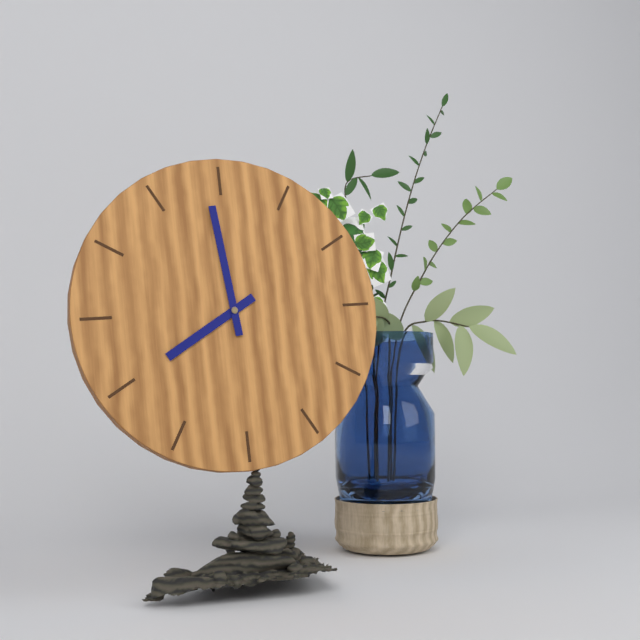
{"hour": 7, "minute": 59}
